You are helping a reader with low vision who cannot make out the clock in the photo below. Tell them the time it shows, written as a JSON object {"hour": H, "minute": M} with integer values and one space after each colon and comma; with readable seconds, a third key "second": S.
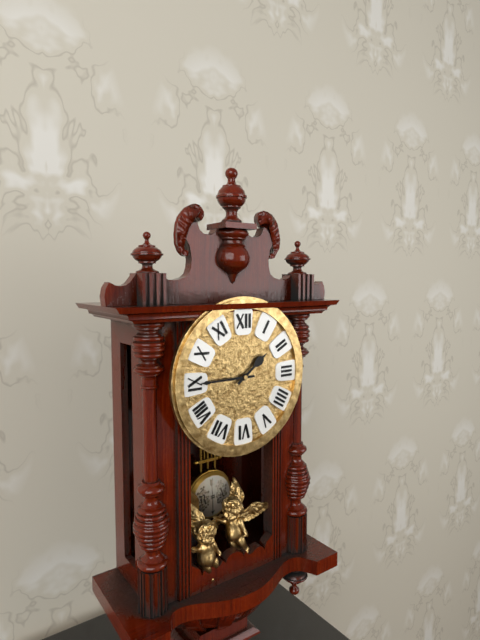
{"hour": 1, "minute": 45}
